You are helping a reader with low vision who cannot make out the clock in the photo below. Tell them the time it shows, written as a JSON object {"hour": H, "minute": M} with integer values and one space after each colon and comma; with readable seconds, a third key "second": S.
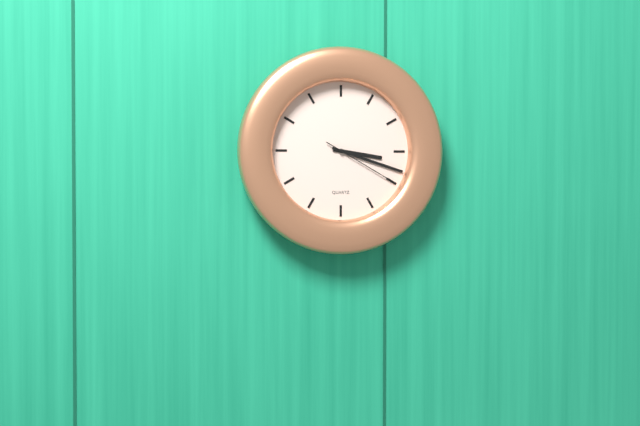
{"hour": 3, "minute": 18, "second": 20}
